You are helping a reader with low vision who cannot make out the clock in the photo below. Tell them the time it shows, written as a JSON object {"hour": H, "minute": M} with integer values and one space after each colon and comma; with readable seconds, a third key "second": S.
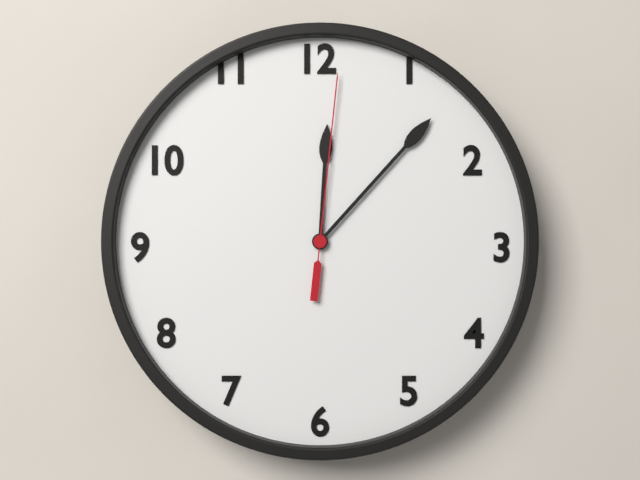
{"hour": 12, "minute": 7, "second": 1}
